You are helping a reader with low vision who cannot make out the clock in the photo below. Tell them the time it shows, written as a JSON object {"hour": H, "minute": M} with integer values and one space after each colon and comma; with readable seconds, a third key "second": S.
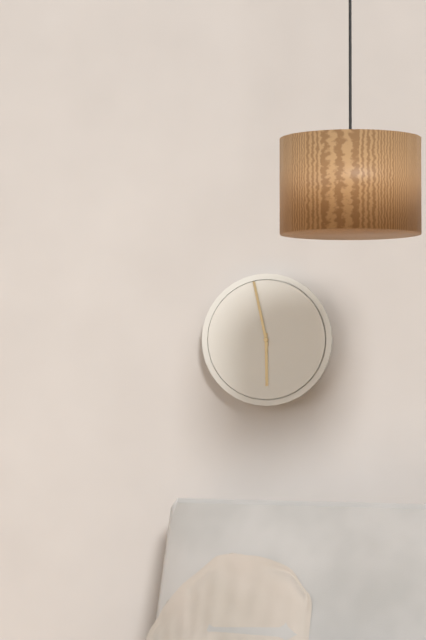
{"hour": 5, "minute": 58}
